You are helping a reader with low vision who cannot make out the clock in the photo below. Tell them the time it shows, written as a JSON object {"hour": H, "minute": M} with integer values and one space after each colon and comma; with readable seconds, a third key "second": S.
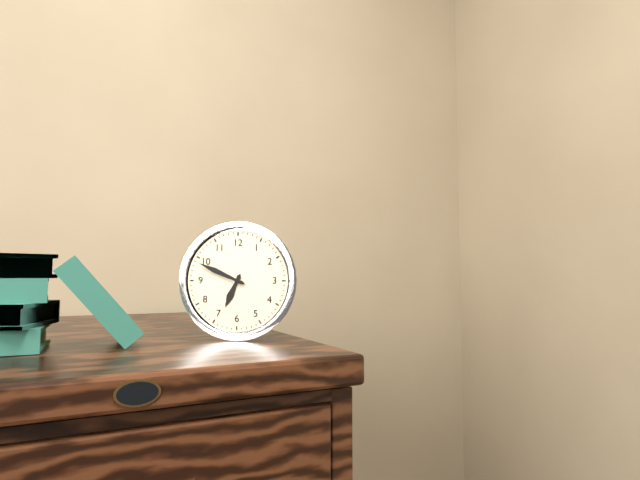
{"hour": 6, "minute": 49}
